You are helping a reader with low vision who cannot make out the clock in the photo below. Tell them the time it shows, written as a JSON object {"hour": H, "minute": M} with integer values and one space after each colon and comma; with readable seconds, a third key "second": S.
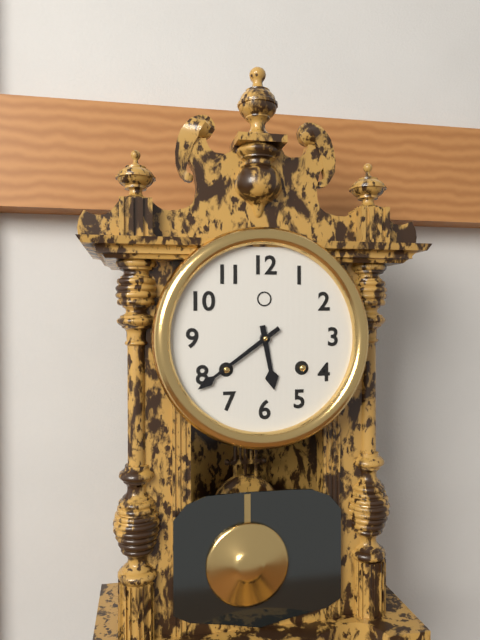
{"hour": 5, "minute": 39}
